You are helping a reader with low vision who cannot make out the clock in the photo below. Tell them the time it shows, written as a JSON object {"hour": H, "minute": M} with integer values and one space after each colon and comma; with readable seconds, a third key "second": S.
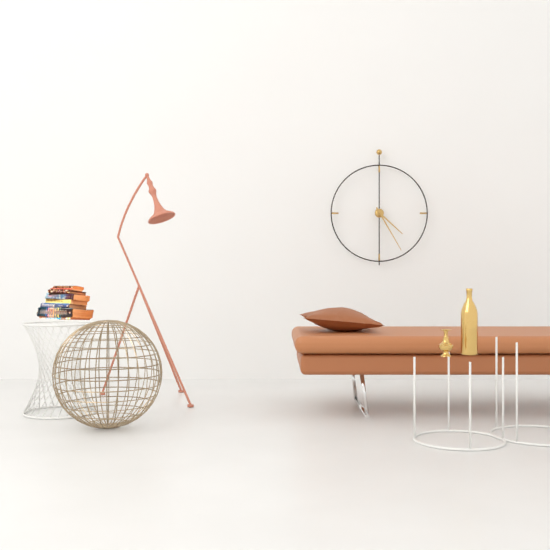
{"hour": 4, "minute": 25}
